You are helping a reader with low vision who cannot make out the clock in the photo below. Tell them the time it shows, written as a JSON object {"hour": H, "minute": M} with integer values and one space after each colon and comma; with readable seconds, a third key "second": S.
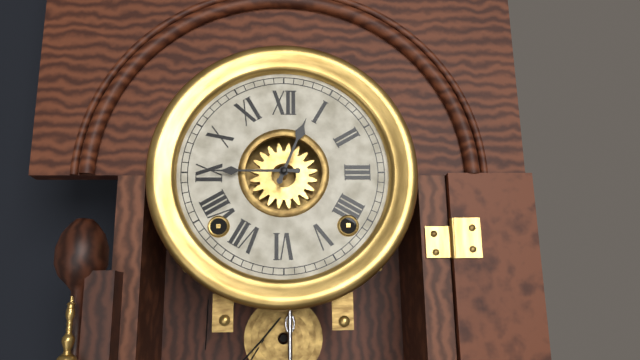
{"hour": 12, "minute": 45}
